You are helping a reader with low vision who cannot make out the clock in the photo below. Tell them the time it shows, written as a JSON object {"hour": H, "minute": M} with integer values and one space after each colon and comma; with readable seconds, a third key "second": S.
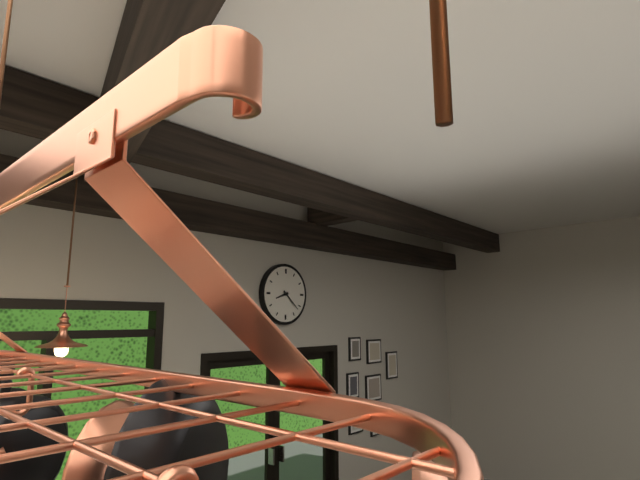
{"hour": 8, "minute": 22}
